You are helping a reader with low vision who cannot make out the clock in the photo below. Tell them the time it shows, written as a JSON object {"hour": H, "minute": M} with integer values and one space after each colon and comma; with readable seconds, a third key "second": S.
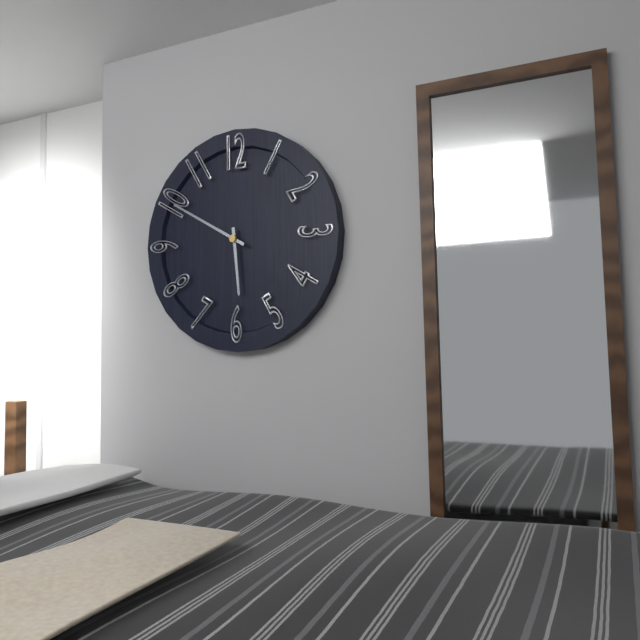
{"hour": 5, "minute": 50}
